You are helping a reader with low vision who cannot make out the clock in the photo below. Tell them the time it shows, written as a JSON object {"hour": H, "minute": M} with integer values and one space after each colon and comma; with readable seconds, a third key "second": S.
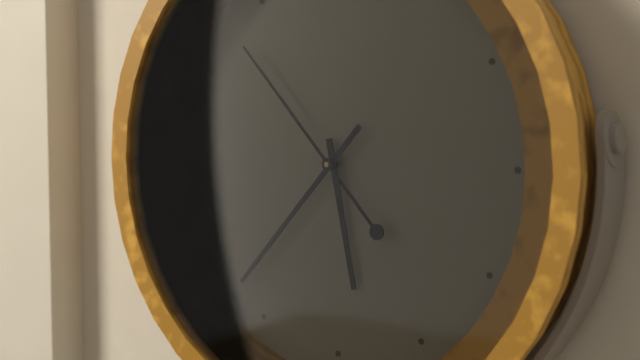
{"hour": 5, "minute": 37, "second": 53}
